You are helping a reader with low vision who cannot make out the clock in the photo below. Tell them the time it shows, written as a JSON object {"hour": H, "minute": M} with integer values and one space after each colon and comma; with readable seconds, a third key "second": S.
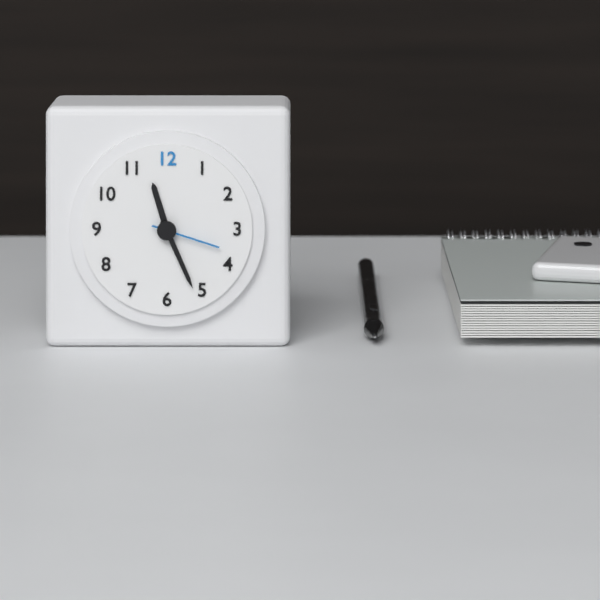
{"hour": 11, "minute": 26, "second": 18}
